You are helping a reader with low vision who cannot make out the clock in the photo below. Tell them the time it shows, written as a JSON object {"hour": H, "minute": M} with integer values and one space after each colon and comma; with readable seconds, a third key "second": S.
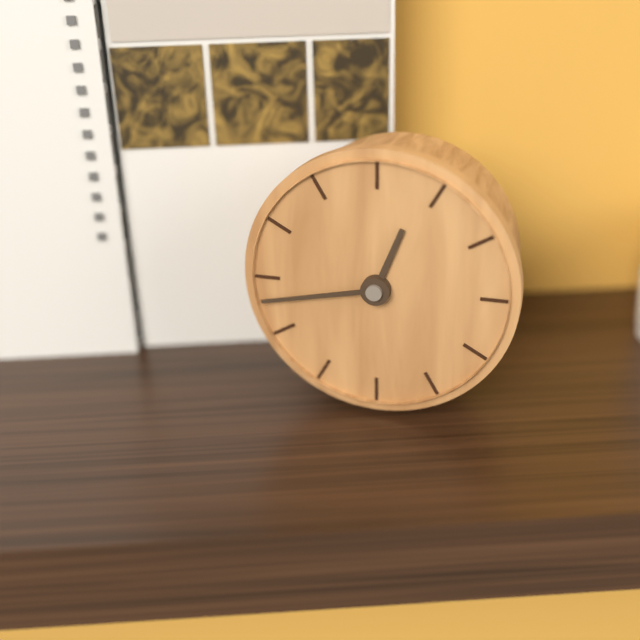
{"hour": 12, "minute": 43}
